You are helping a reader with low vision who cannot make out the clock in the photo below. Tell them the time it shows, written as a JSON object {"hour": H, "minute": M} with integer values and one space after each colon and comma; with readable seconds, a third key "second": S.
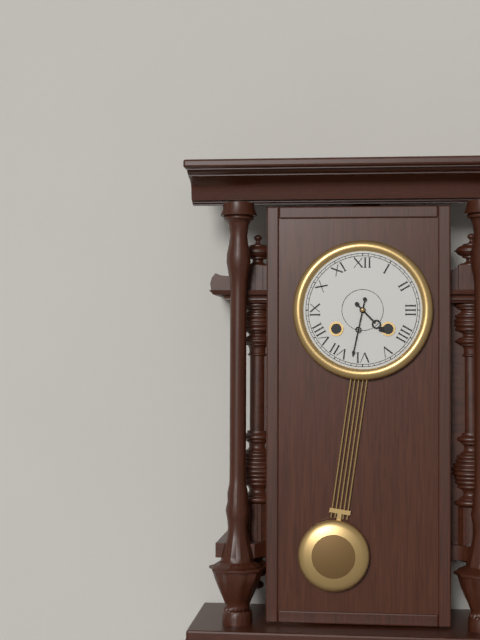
{"hour": 4, "minute": 32}
